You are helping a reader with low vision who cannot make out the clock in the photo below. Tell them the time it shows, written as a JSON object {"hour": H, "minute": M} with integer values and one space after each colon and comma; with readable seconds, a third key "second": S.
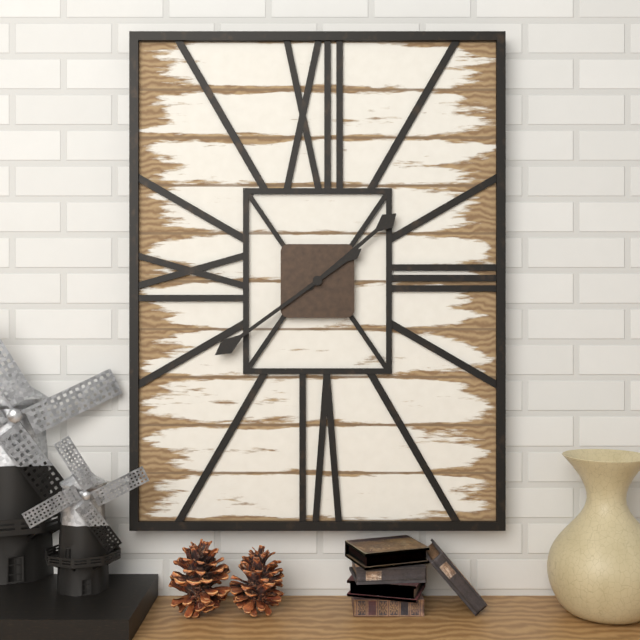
{"hour": 1, "minute": 39}
